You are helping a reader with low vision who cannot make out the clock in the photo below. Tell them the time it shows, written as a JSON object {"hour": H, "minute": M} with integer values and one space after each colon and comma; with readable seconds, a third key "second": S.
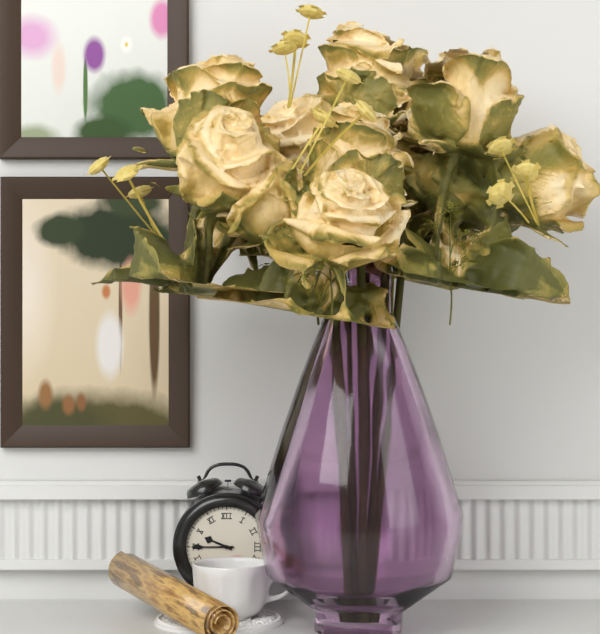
{"hour": 9, "minute": 45}
